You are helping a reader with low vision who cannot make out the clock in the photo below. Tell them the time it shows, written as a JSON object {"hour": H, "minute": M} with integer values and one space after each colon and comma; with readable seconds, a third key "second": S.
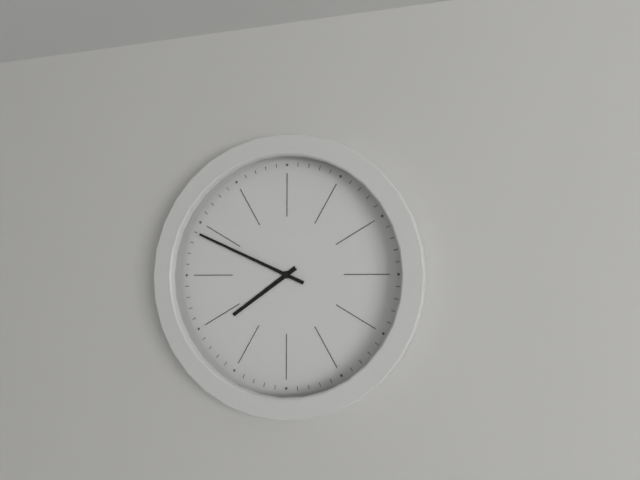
{"hour": 7, "minute": 49}
